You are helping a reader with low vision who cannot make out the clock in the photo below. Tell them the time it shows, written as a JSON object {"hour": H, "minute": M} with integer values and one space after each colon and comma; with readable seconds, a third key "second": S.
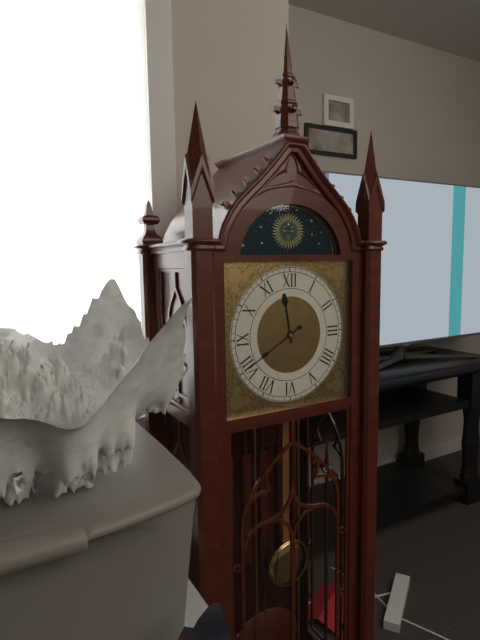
{"hour": 11, "minute": 40}
